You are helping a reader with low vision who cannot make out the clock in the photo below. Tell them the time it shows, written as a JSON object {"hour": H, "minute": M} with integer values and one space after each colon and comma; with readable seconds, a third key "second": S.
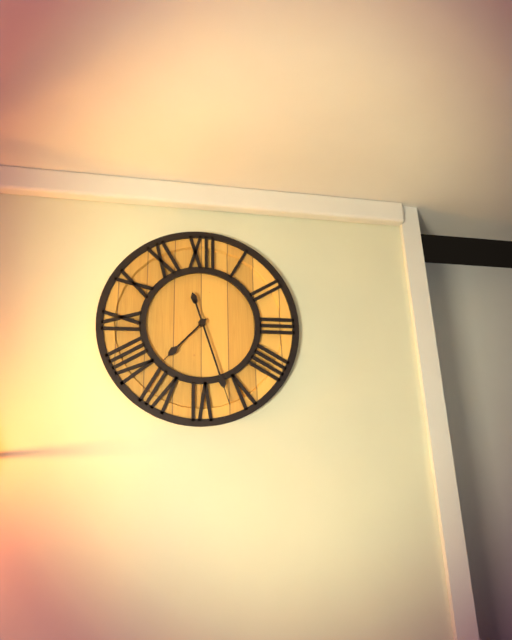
{"hour": 7, "minute": 27}
